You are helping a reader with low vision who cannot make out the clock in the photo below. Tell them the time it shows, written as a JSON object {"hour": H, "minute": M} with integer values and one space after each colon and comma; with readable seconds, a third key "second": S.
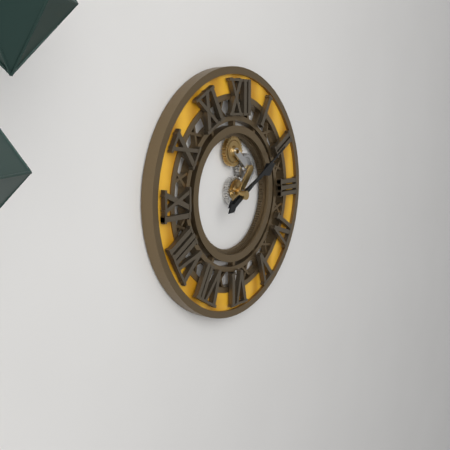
{"hour": 2, "minute": 10}
